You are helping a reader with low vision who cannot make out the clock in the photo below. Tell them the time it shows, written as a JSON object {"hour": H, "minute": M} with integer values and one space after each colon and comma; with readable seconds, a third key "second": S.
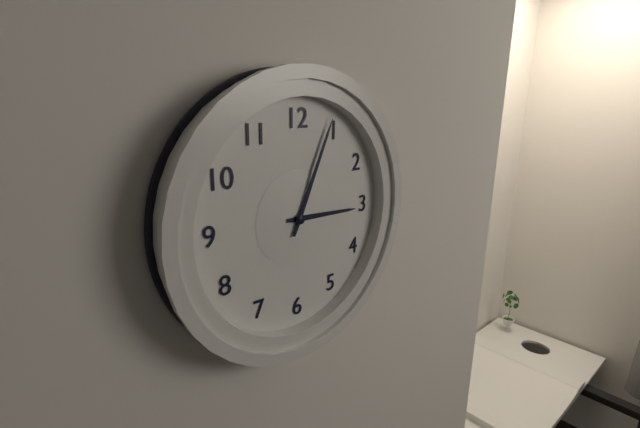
{"hour": 3, "minute": 4}
